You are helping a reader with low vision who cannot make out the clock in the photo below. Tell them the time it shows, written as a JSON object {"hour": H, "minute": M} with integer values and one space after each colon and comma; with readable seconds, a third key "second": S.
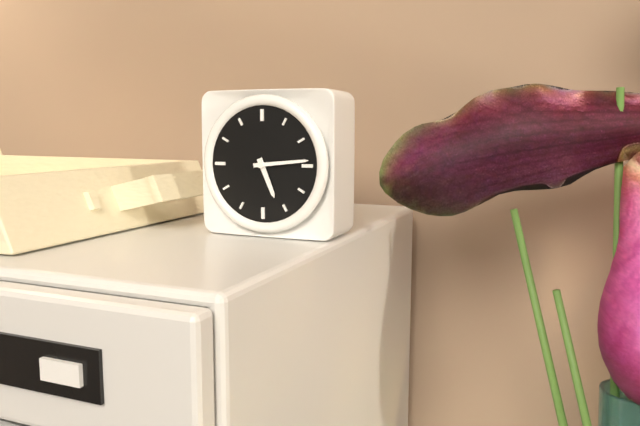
{"hour": 5, "minute": 14}
